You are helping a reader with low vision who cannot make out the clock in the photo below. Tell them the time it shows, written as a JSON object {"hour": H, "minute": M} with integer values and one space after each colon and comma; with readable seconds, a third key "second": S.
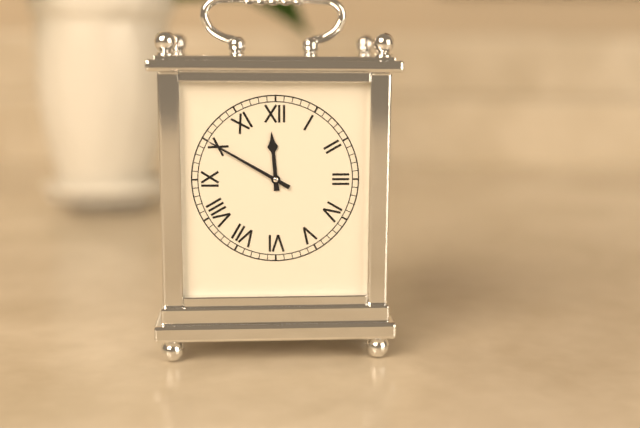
{"hour": 11, "minute": 50}
